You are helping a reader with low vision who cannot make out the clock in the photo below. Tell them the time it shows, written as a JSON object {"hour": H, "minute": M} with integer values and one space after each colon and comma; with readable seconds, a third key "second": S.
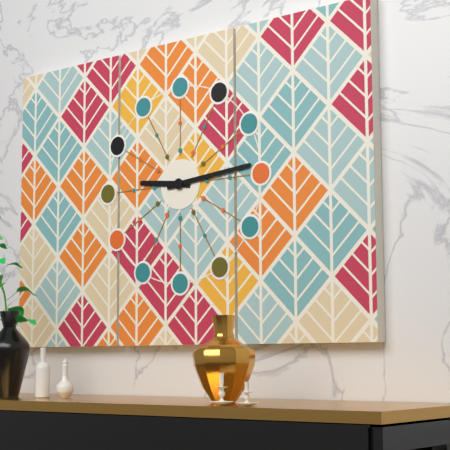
{"hour": 9, "minute": 14}
